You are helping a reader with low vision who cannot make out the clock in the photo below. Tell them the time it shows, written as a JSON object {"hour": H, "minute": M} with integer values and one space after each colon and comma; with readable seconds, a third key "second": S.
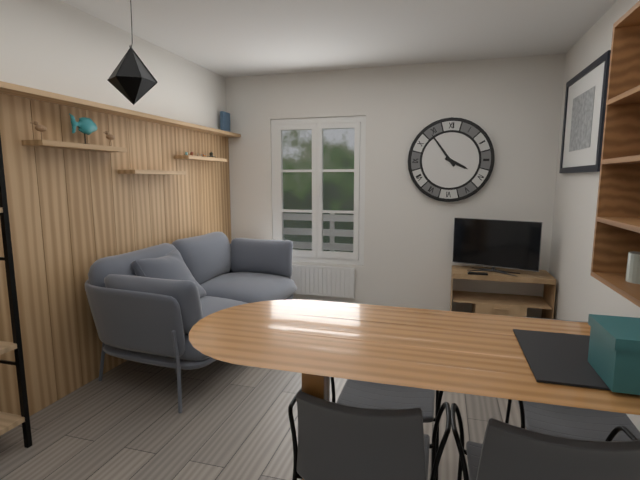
{"hour": 3, "minute": 54}
